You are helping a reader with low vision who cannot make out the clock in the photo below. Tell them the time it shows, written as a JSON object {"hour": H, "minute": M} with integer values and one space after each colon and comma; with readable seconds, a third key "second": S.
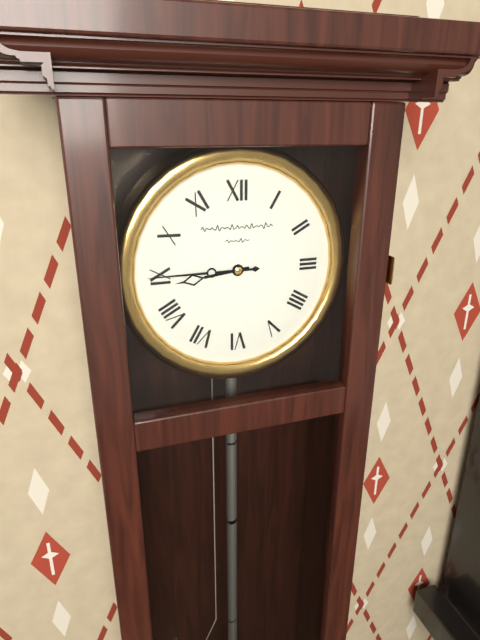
{"hour": 8, "minute": 45}
